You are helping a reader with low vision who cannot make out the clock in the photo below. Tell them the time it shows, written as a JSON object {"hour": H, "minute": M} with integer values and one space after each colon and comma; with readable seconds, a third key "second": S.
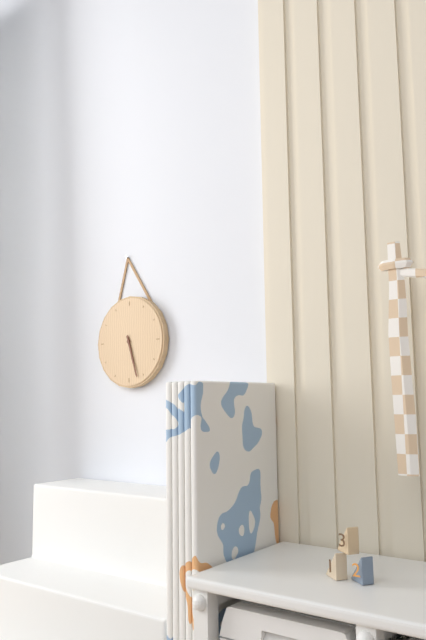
{"hour": 5, "minute": 27}
